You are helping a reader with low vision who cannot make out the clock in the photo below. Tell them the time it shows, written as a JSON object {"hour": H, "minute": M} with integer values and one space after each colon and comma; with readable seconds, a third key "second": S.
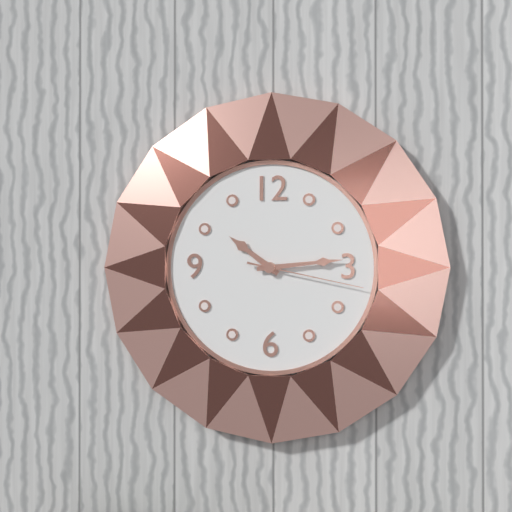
{"hour": 10, "minute": 14, "second": 17}
